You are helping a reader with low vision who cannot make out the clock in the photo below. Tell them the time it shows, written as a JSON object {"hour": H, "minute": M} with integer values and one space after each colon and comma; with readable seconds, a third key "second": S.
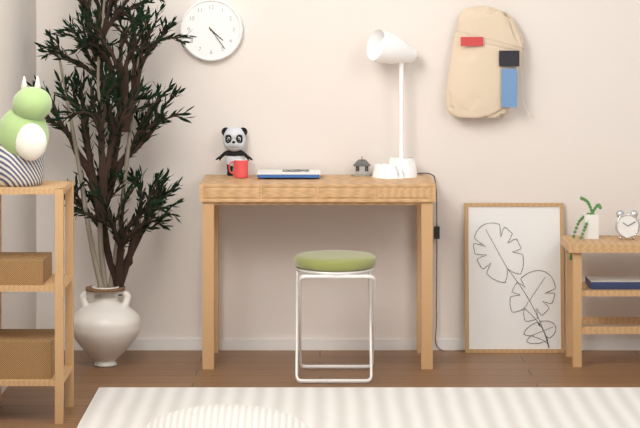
{"hour": 4, "minute": 24}
